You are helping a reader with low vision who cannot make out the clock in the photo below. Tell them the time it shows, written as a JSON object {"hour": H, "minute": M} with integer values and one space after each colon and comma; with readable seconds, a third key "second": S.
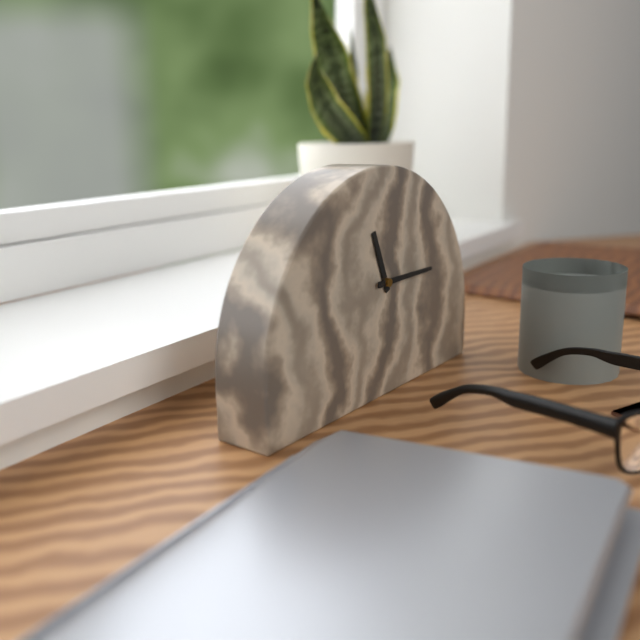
{"hour": 11, "minute": 15}
